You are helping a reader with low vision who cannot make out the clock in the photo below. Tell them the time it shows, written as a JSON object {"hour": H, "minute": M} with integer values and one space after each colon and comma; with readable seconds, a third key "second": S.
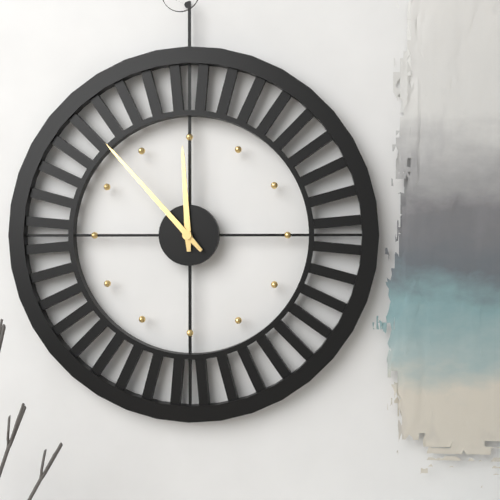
{"hour": 11, "minute": 53}
